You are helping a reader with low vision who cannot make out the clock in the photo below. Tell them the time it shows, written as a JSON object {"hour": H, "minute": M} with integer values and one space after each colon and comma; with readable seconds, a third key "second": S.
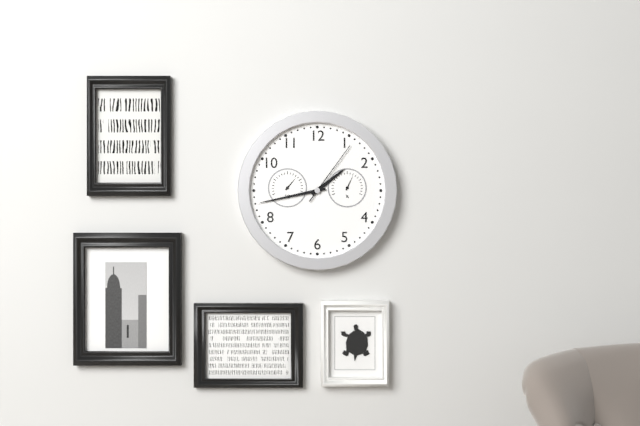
{"hour": 1, "minute": 43, "second": 6}
